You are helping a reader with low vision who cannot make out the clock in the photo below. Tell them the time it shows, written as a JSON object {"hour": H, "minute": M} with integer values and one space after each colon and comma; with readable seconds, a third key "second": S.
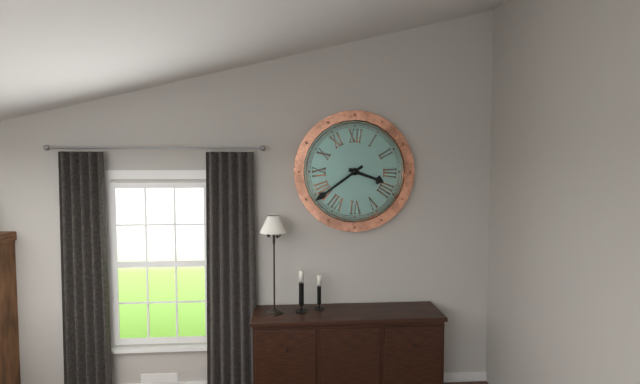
{"hour": 3, "minute": 39}
